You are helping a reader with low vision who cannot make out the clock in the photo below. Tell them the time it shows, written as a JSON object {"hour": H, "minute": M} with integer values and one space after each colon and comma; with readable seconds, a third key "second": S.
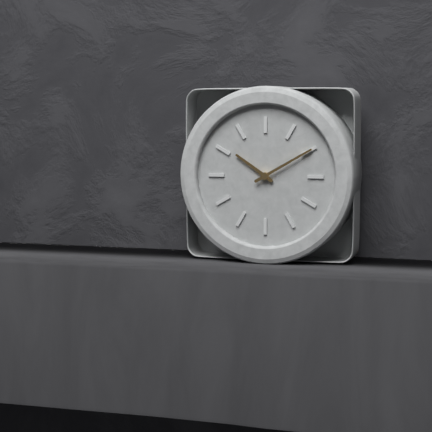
{"hour": 10, "minute": 10}
